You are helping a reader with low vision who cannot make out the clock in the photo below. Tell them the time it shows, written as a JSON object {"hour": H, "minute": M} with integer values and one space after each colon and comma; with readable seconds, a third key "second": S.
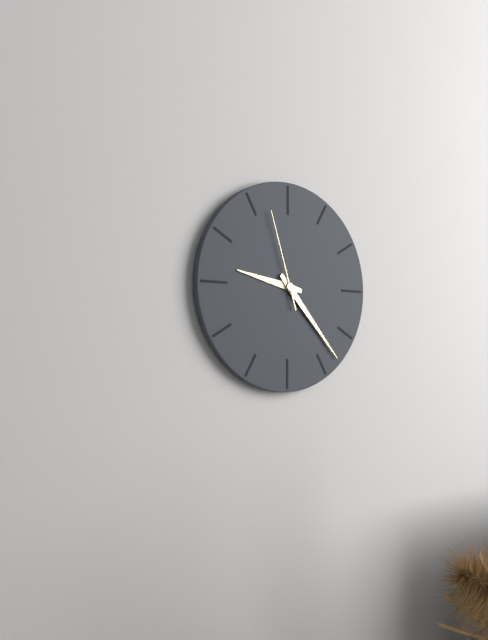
{"hour": 9, "minute": 23, "second": 57}
